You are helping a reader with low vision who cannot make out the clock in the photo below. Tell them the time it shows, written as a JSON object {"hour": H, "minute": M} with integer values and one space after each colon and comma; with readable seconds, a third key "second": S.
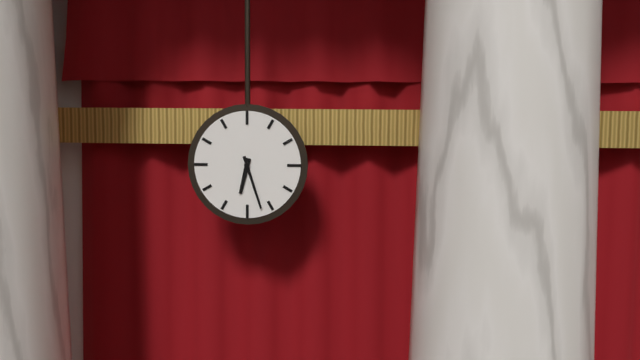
{"hour": 6, "minute": 27}
